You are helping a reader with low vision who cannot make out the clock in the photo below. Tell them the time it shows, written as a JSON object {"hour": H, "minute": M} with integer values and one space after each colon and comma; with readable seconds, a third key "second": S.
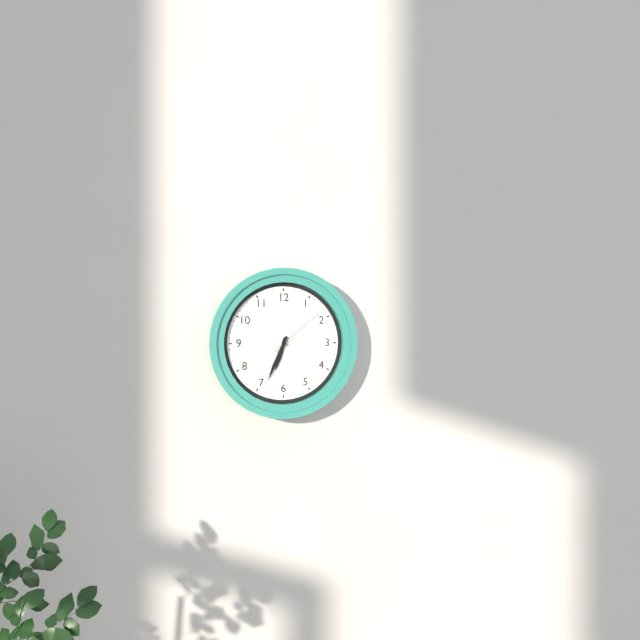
{"hour": 6, "minute": 34, "second": 8}
